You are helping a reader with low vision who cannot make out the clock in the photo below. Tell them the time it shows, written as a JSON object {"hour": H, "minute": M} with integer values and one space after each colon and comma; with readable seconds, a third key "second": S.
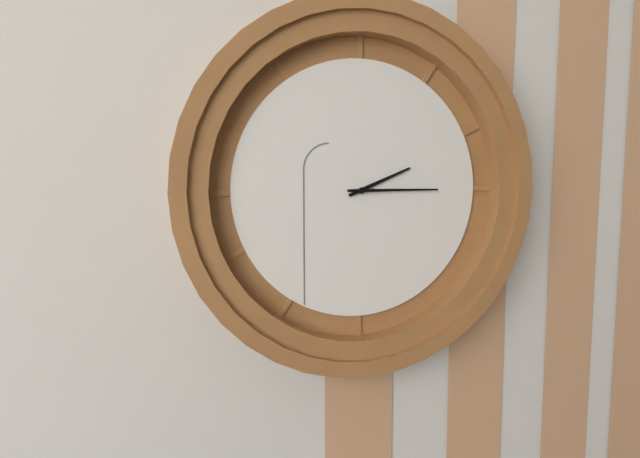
{"hour": 2, "minute": 15}
